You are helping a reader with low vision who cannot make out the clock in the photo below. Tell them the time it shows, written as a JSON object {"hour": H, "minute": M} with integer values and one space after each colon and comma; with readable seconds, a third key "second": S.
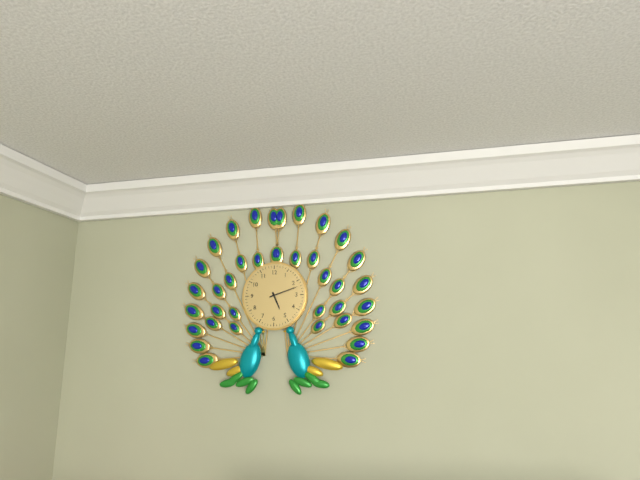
{"hour": 5, "minute": 12}
